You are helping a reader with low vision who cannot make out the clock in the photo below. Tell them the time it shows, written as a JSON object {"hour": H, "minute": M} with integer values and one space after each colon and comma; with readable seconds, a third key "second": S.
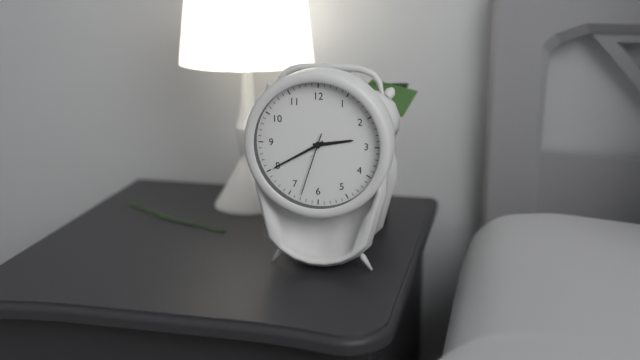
{"hour": 2, "minute": 40, "second": 33}
